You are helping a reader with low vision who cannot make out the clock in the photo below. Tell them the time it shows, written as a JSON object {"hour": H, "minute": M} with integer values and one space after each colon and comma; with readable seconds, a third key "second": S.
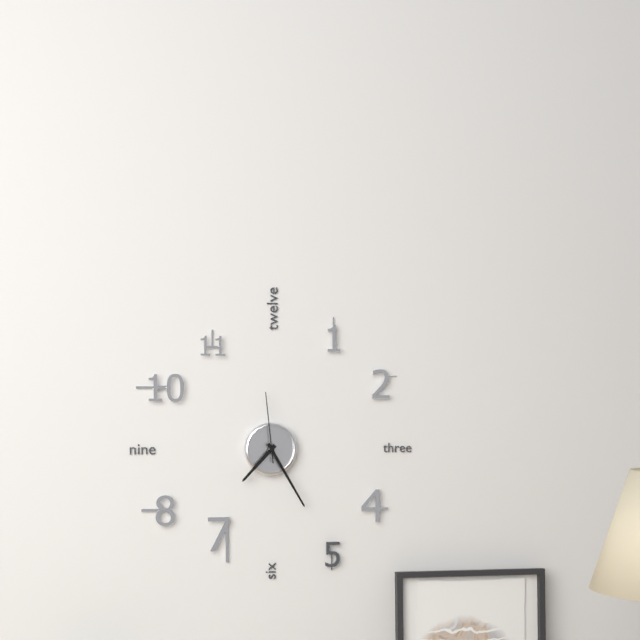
{"hour": 7, "minute": 25, "second": 59}
